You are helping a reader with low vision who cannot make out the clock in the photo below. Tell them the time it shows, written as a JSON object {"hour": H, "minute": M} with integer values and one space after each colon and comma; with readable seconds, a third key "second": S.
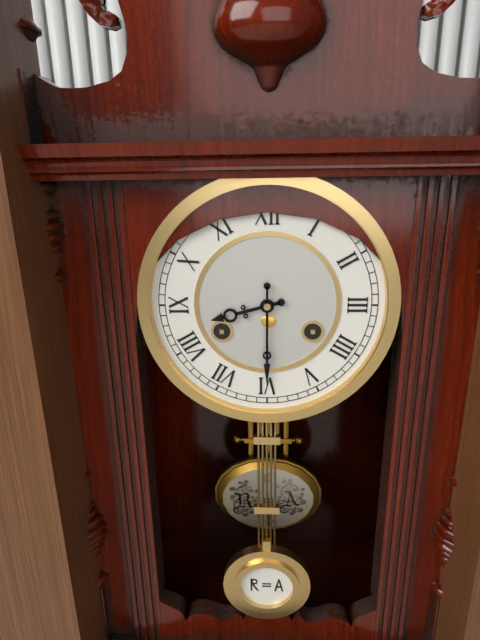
{"hour": 8, "minute": 30}
